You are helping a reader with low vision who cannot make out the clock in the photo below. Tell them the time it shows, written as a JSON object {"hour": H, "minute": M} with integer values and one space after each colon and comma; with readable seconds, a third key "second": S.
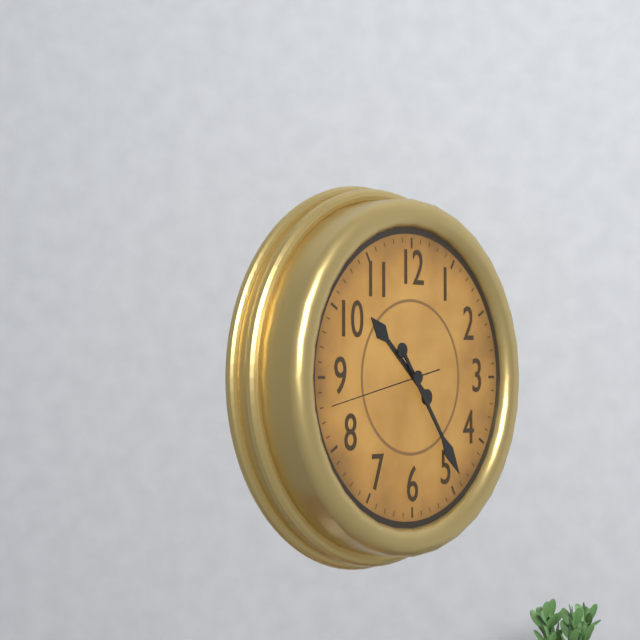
{"hour": 10, "minute": 24, "second": 43}
